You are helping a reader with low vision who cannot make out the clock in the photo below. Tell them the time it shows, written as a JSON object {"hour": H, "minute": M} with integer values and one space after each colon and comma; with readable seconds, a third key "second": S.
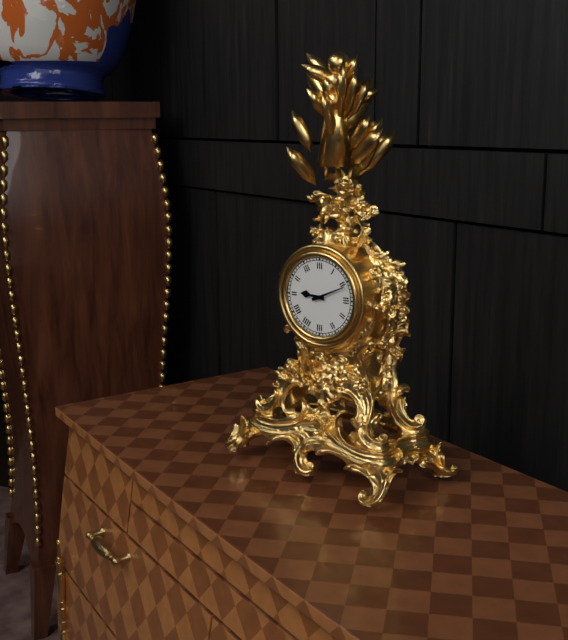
{"hour": 9, "minute": 11}
